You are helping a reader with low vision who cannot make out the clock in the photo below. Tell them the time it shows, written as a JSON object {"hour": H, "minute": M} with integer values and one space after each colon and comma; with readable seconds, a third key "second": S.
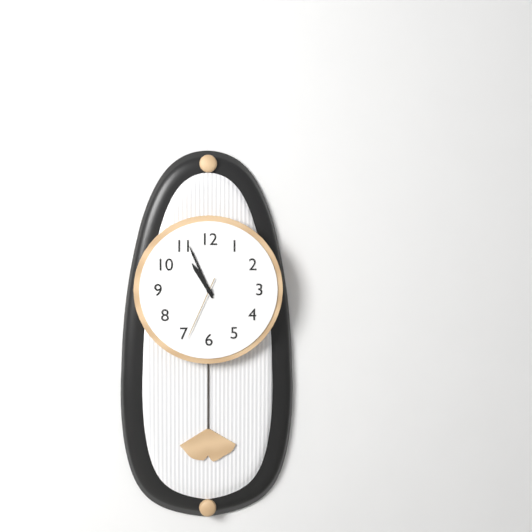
{"hour": 10, "minute": 56, "second": 34}
